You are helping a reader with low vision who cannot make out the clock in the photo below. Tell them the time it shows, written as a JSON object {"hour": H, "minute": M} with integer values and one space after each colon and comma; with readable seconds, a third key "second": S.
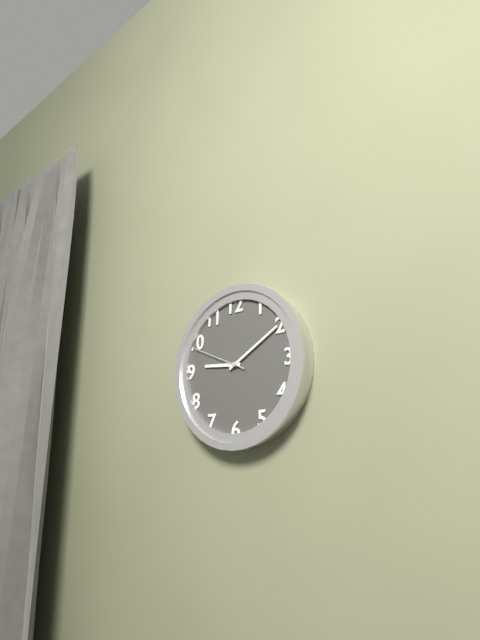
{"hour": 9, "minute": 10, "second": 49}
